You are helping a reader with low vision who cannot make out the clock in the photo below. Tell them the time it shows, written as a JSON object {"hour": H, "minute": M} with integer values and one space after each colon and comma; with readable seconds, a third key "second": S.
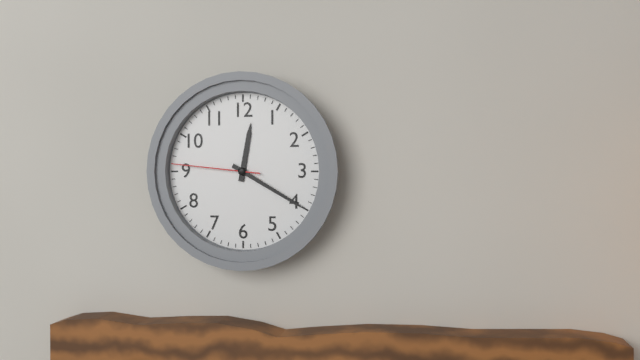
{"hour": 12, "minute": 20, "second": 46}
